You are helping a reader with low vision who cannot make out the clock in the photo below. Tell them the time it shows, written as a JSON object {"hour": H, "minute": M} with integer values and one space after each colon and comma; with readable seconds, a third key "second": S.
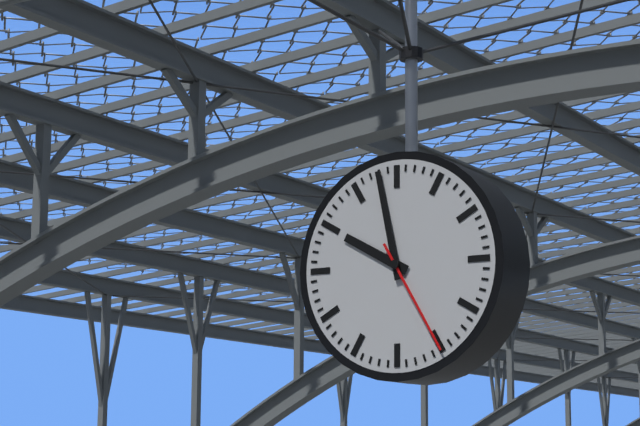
{"hour": 9, "minute": 58, "second": 25}
